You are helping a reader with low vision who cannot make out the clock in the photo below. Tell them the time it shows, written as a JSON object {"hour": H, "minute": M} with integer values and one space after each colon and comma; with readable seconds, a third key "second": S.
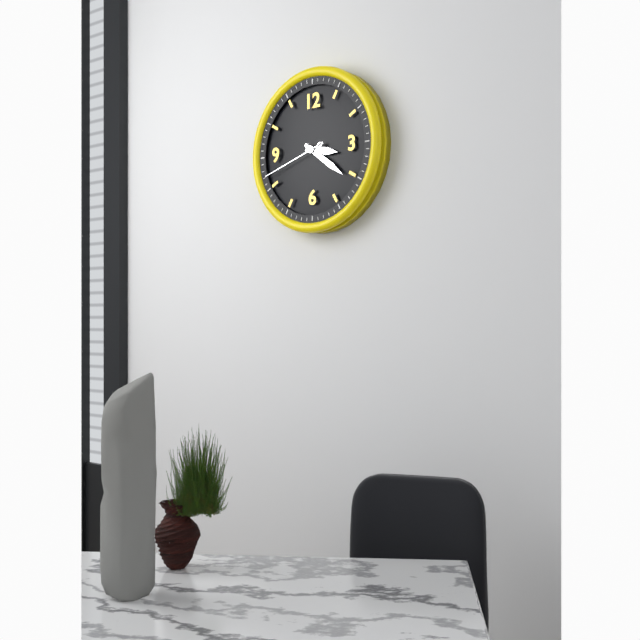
{"hour": 3, "minute": 21, "second": 42}
